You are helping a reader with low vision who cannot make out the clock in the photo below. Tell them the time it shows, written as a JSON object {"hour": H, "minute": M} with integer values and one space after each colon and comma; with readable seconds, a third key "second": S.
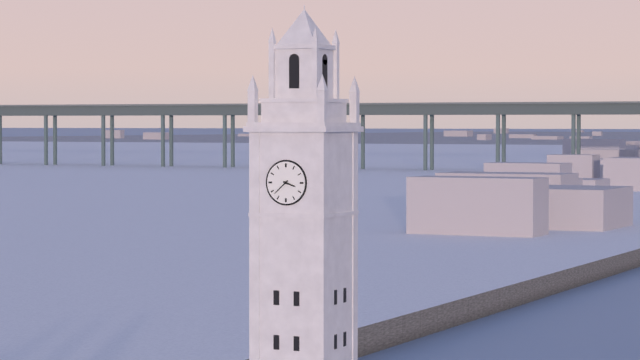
{"hour": 3, "minute": 38}
